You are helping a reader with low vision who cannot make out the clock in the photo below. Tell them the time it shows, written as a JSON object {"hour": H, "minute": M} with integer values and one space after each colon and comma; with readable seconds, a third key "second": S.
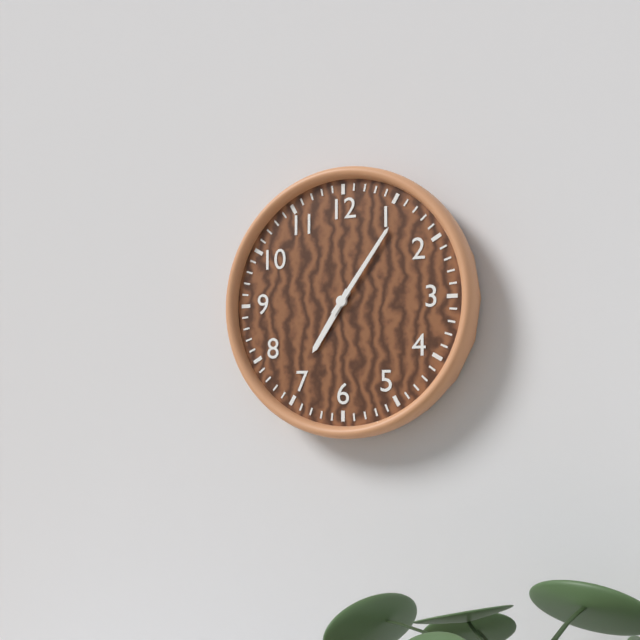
{"hour": 7, "minute": 6}
